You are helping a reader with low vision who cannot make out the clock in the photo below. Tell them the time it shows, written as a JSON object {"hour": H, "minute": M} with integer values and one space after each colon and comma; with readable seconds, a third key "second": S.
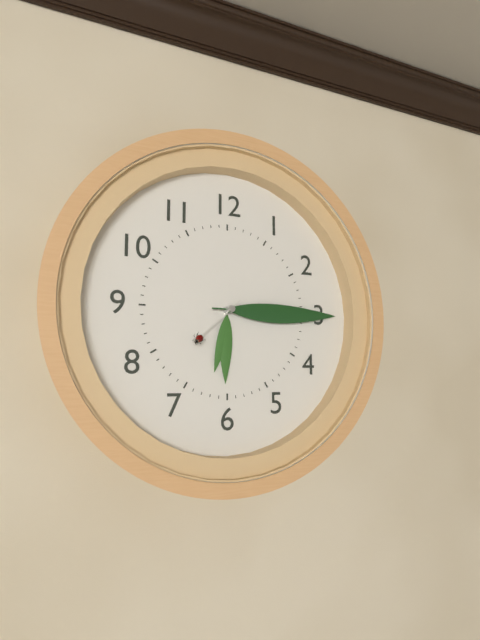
{"hour": 6, "minute": 15, "second": 38}
